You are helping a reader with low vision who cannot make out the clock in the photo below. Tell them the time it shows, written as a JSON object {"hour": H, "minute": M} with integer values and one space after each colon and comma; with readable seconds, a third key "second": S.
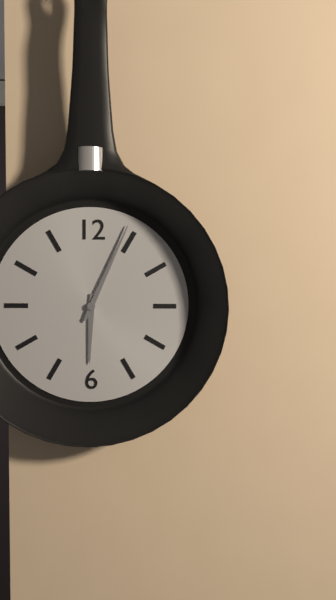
{"hour": 6, "minute": 4}
